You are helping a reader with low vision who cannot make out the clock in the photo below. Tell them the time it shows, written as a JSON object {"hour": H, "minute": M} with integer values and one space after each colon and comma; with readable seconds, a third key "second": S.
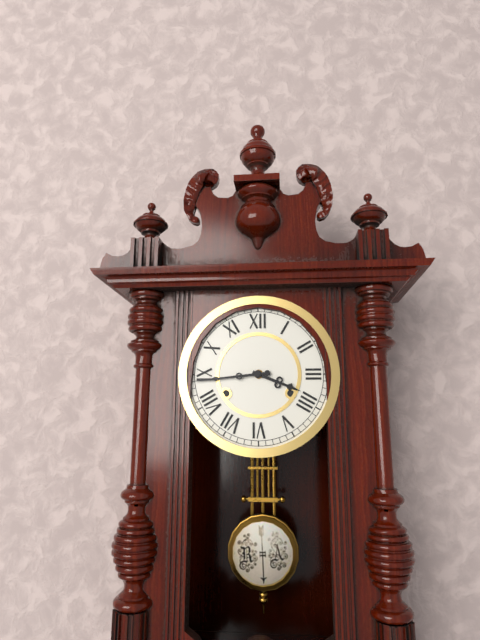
{"hour": 3, "minute": 44}
